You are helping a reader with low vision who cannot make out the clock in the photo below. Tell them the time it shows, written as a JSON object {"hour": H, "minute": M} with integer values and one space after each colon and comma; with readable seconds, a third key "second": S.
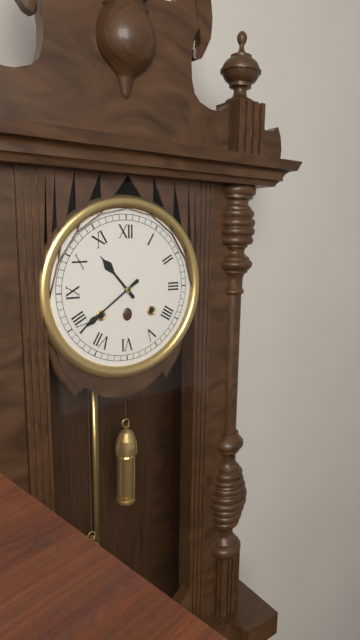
{"hour": 10, "minute": 39}
